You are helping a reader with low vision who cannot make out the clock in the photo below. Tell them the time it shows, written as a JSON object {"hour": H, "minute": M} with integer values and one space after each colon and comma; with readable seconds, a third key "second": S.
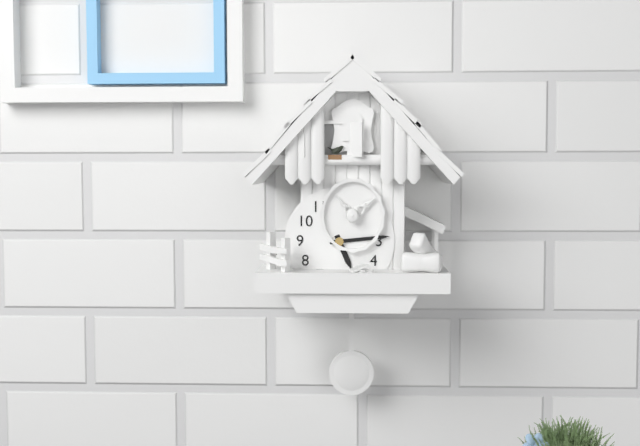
{"hour": 5, "minute": 14}
